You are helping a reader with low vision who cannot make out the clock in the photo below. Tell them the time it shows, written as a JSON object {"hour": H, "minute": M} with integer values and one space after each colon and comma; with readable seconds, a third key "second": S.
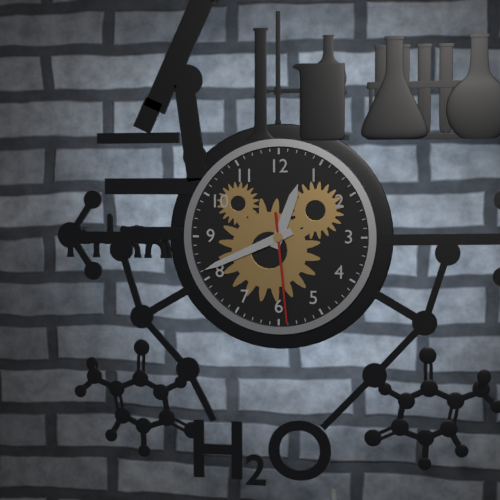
{"hour": 12, "minute": 41, "second": 29}
